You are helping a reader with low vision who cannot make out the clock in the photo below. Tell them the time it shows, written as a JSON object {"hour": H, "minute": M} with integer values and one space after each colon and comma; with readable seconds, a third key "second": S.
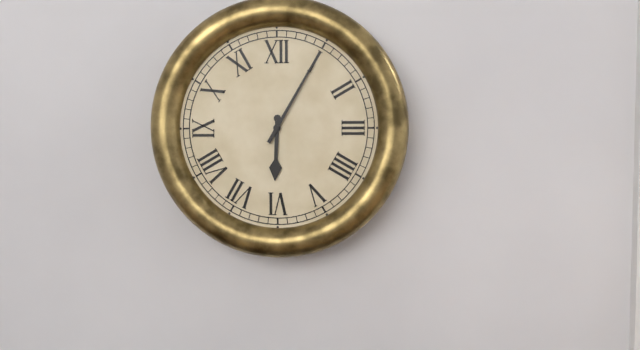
{"hour": 6, "minute": 5}
